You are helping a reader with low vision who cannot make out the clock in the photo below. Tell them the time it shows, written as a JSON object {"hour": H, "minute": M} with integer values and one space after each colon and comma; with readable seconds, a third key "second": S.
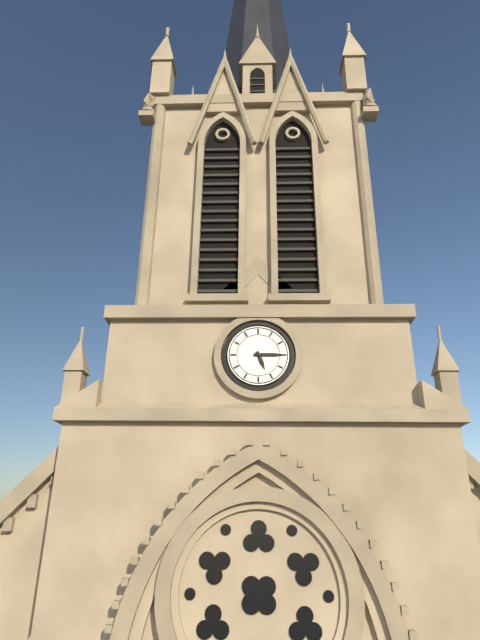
{"hour": 5, "minute": 15}
